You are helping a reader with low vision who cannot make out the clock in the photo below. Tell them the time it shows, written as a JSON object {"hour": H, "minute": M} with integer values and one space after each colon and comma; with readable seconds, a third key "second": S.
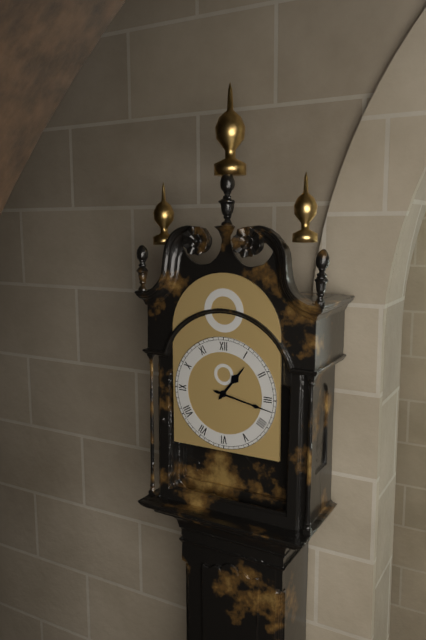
{"hour": 1, "minute": 17}
